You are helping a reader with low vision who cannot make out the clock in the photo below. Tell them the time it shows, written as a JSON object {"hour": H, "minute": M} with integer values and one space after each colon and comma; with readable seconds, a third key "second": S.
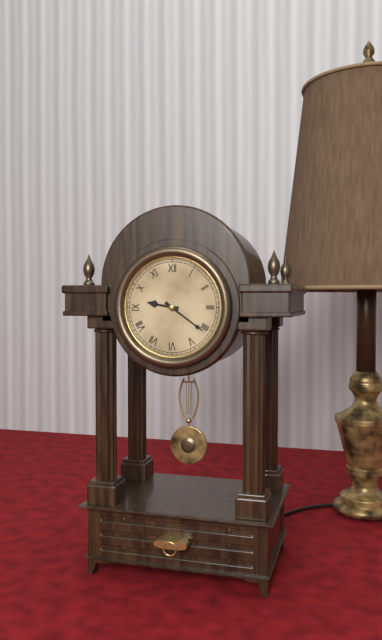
{"hour": 9, "minute": 21}
